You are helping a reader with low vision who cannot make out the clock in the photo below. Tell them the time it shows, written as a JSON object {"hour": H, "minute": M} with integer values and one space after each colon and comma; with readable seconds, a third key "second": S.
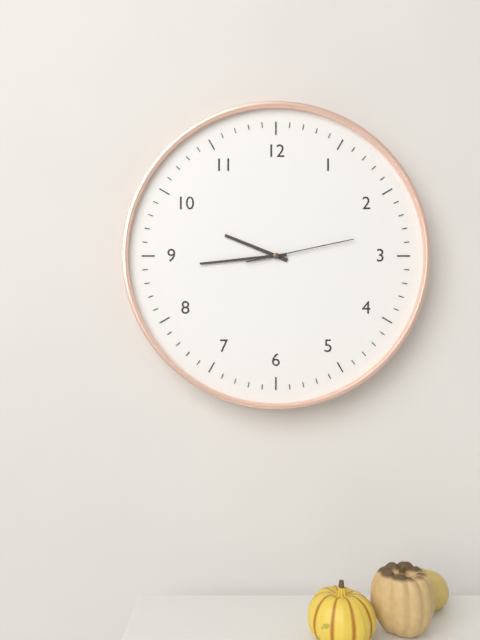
{"hour": 9, "minute": 44, "second": 13}
